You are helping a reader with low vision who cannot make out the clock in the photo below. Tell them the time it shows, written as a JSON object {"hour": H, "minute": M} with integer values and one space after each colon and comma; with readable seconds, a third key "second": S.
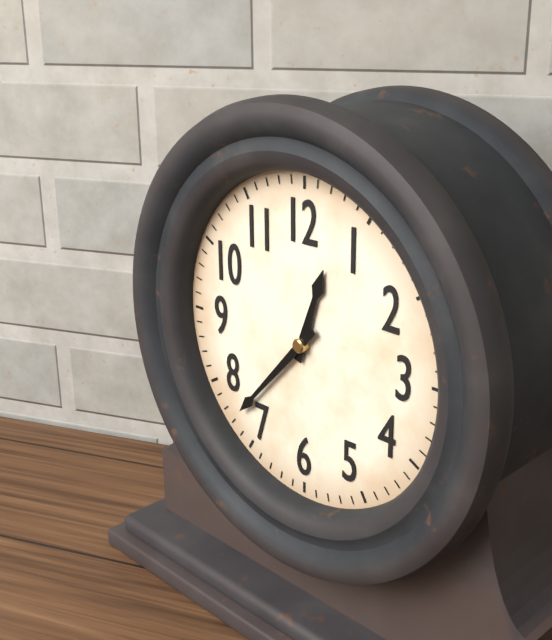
{"hour": 12, "minute": 37}
